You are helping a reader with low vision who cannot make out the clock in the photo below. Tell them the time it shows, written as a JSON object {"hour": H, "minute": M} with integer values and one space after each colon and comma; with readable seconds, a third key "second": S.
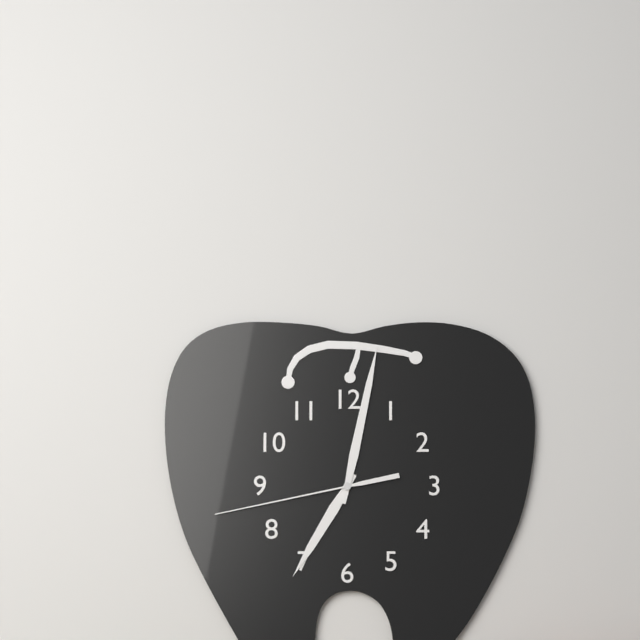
{"hour": 7, "minute": 2, "second": 43}
